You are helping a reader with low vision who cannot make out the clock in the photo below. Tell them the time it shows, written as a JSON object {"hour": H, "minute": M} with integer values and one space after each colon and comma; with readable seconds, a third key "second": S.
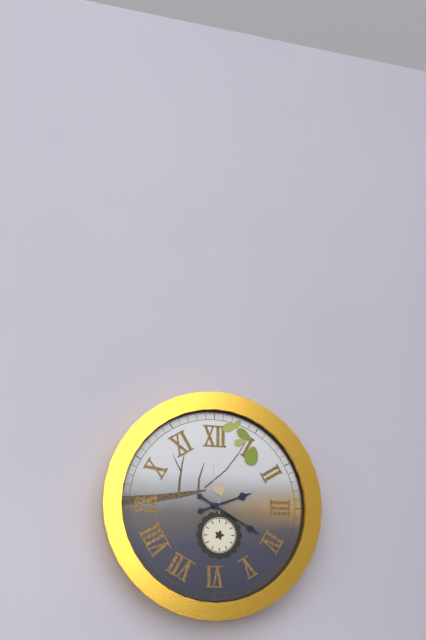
{"hour": 2, "minute": 20}
